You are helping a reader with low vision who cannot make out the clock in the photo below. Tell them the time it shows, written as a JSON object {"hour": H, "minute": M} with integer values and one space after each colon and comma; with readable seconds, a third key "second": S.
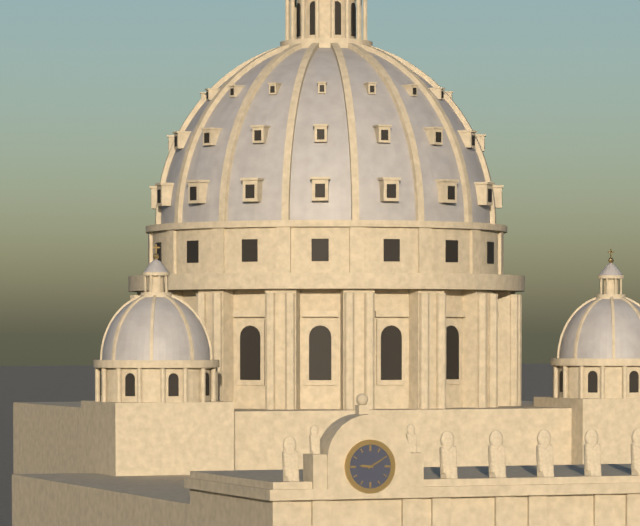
{"hour": 9, "minute": 10}
